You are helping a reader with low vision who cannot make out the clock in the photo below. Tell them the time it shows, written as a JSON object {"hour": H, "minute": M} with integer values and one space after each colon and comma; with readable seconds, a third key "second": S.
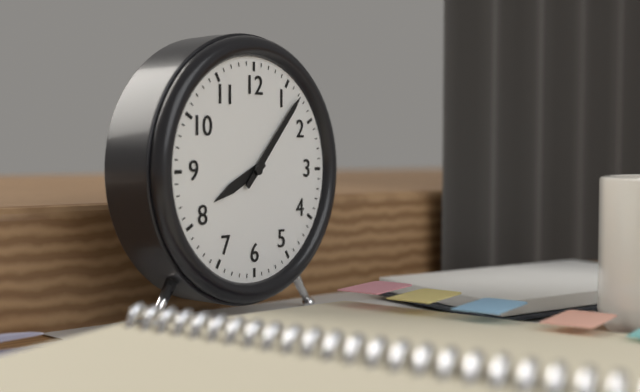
{"hour": 8, "minute": 7}
